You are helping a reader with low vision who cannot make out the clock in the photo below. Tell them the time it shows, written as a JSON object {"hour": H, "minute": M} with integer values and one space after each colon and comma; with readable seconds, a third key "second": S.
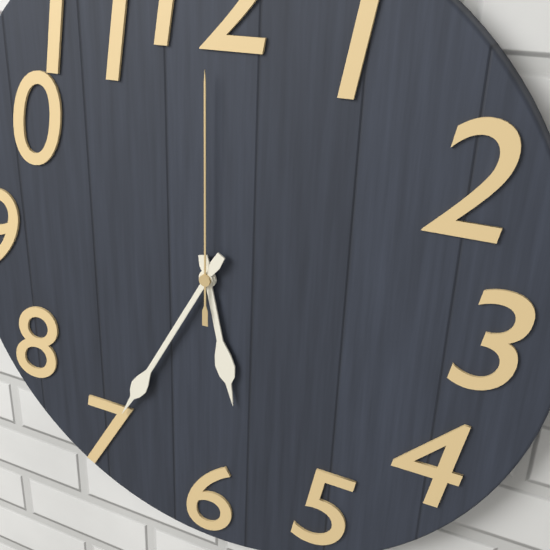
{"hour": 5, "minute": 35, "second": 0}
